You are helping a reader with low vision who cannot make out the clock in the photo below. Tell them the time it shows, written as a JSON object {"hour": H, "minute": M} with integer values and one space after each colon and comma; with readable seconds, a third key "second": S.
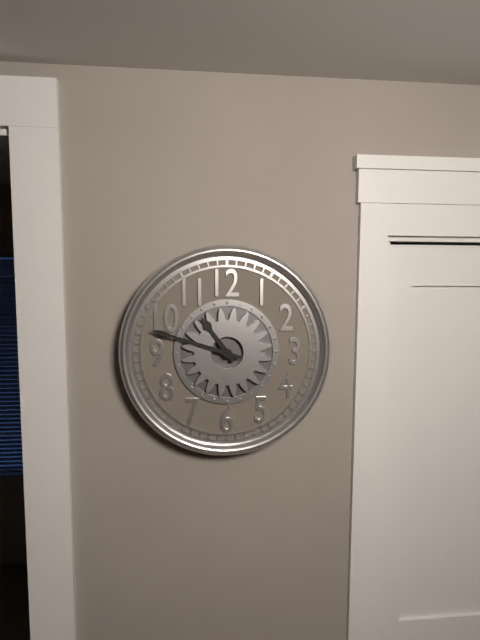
{"hour": 10, "minute": 48}
